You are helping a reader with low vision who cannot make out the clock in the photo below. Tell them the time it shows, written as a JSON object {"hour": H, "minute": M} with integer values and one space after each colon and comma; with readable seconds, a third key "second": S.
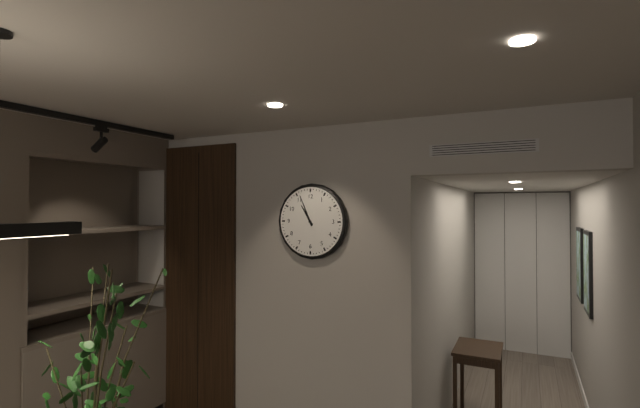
{"hour": 10, "minute": 56}
